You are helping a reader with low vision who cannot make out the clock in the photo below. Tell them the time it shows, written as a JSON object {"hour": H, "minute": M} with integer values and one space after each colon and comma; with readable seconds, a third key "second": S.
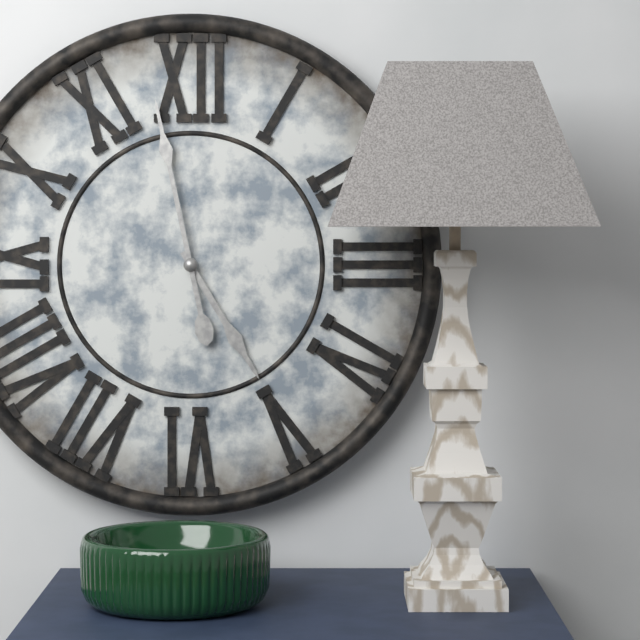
{"hour": 4, "minute": 58}
